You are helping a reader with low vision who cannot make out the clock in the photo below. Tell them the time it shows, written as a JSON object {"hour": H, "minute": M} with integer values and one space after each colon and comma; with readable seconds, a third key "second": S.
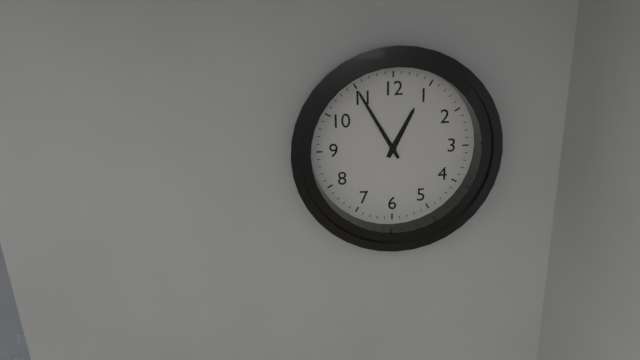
{"hour": 12, "minute": 55}
